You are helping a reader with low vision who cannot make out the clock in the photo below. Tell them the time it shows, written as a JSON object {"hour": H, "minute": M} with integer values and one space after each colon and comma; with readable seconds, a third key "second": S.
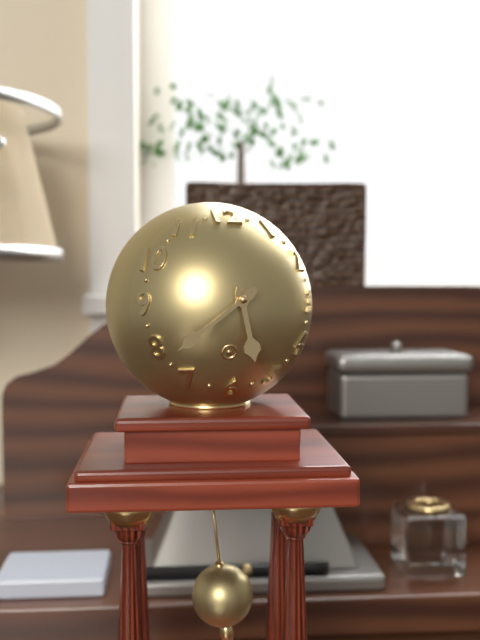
{"hour": 5, "minute": 39}
